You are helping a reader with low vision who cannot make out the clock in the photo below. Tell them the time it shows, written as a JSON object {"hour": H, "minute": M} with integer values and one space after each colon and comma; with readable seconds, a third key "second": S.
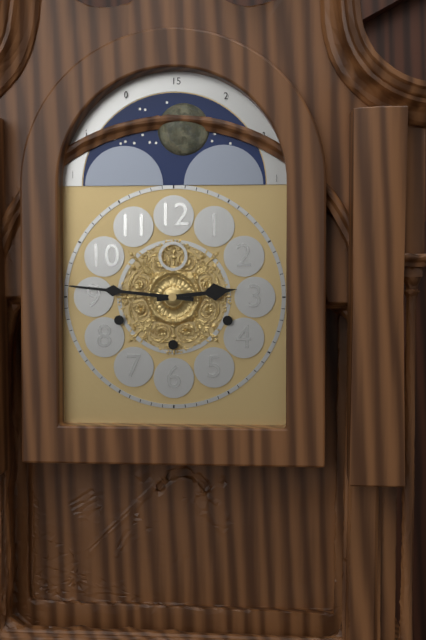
{"hour": 2, "minute": 46}
